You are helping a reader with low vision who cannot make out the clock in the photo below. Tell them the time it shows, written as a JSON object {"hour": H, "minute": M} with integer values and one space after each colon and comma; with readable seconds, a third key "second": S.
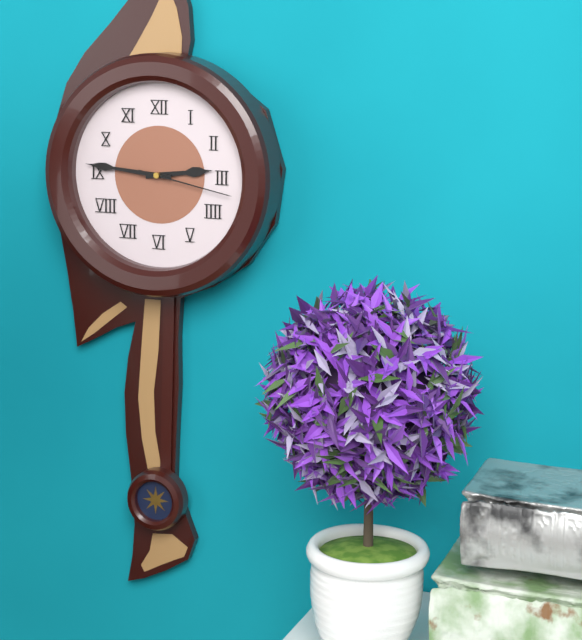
{"hour": 2, "minute": 46, "second": 17}
